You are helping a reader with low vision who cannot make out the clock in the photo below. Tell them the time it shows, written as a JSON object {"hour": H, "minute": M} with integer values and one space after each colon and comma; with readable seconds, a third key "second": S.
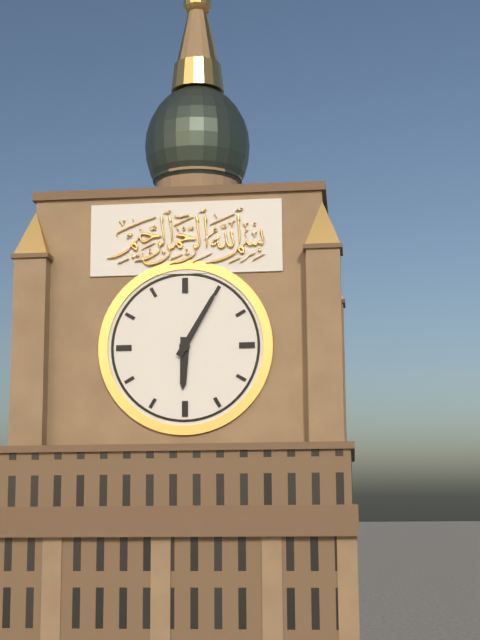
{"hour": 6, "minute": 5}
